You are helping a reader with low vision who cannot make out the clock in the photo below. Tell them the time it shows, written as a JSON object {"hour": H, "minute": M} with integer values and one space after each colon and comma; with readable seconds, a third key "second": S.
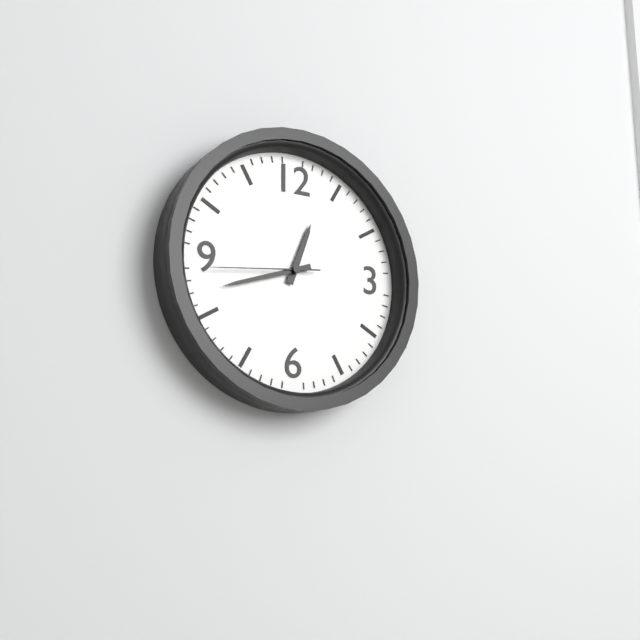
{"hour": 12, "minute": 42, "second": 44}
